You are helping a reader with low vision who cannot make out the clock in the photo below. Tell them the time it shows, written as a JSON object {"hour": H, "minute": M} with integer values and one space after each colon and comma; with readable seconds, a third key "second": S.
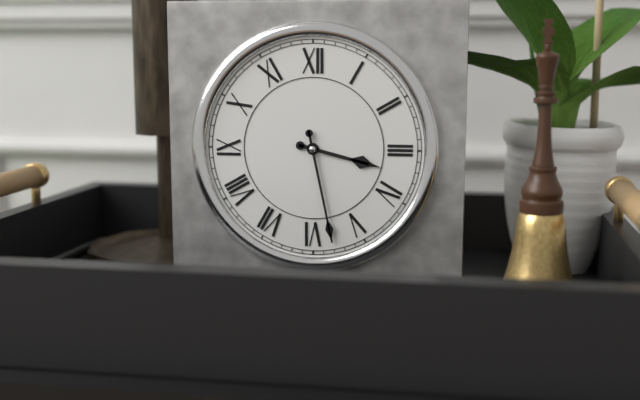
{"hour": 3, "minute": 28}
